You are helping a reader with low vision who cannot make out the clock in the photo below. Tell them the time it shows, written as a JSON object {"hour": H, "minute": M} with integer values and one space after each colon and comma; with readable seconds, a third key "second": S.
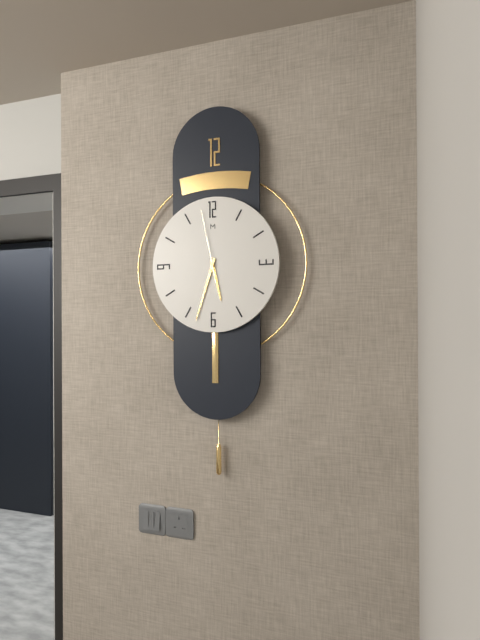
{"hour": 5, "minute": 33, "second": 58}
